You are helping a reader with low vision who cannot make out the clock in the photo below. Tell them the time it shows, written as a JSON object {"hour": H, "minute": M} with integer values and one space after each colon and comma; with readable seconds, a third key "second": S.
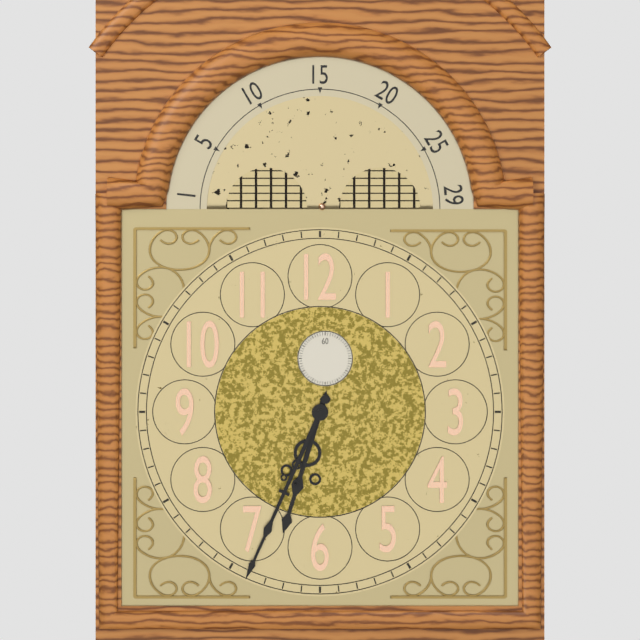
{"hour": 6, "minute": 34}
